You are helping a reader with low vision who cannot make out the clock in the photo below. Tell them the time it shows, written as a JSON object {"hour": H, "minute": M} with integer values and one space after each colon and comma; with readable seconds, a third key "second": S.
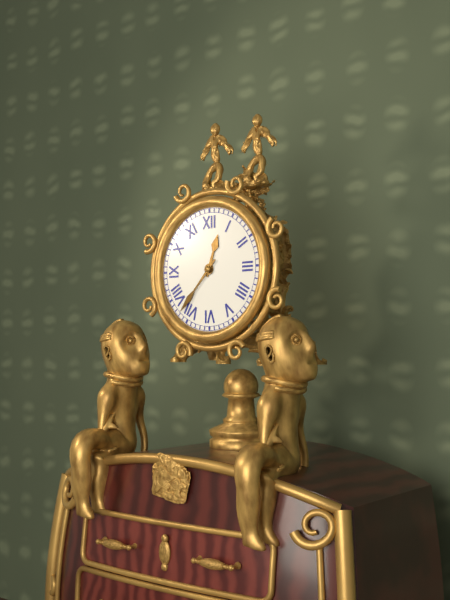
{"hour": 12, "minute": 37}
